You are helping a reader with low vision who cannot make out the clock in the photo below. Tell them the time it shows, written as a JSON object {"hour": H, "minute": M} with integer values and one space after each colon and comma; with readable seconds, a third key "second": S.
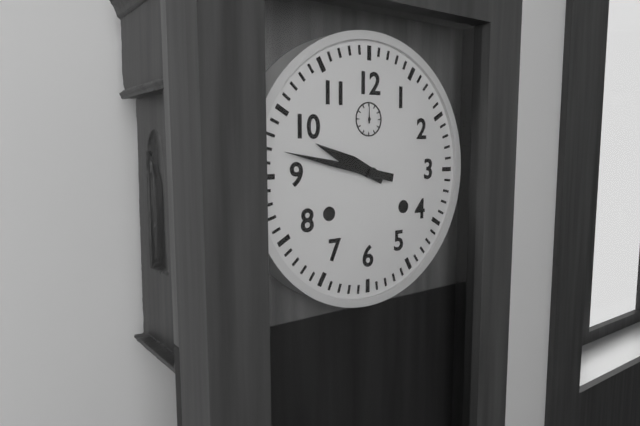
{"hour": 9, "minute": 47}
